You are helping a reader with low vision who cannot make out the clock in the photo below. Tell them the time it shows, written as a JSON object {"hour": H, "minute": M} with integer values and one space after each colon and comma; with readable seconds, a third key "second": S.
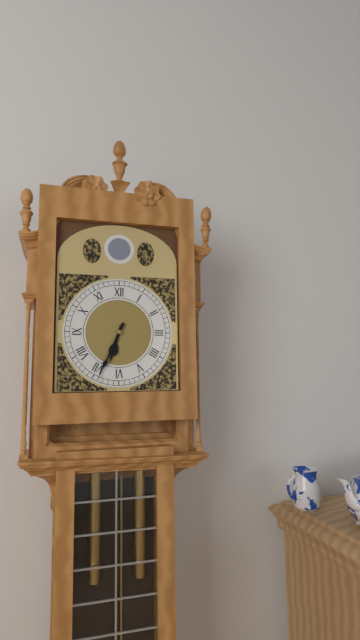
{"hour": 6, "minute": 34}
